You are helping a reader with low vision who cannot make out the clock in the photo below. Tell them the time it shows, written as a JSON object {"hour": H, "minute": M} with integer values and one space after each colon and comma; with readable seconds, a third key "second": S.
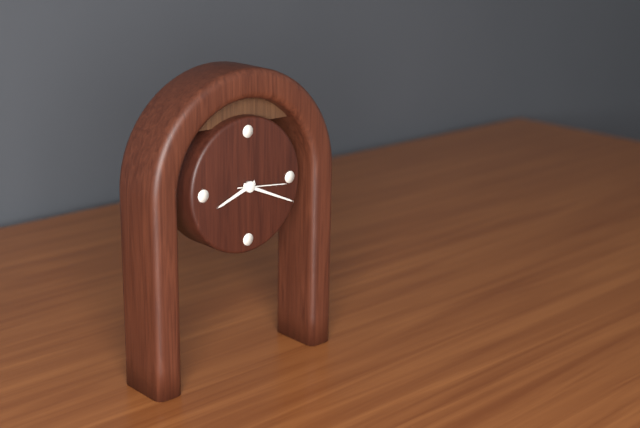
{"hour": 8, "minute": 19}
